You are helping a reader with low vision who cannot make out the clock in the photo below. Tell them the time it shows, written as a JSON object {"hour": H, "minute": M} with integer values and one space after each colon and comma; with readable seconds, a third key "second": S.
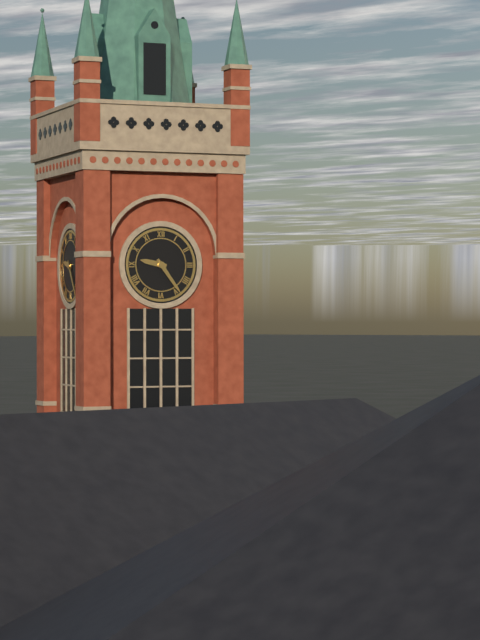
{"hour": 9, "minute": 24}
